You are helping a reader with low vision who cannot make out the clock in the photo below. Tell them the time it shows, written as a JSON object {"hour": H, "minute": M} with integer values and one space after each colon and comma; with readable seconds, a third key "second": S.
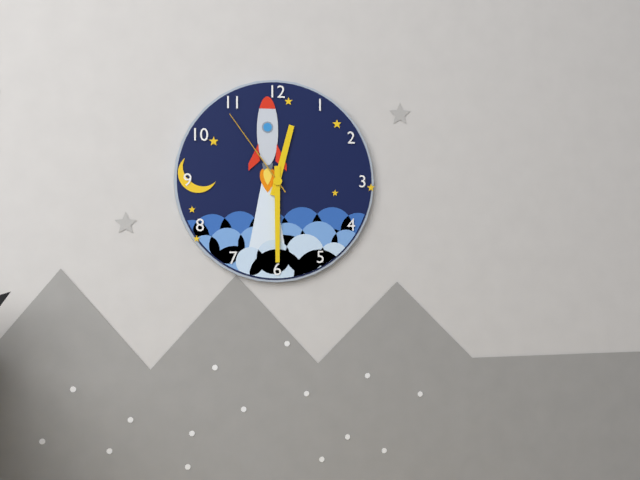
{"hour": 12, "minute": 30, "second": 54}
